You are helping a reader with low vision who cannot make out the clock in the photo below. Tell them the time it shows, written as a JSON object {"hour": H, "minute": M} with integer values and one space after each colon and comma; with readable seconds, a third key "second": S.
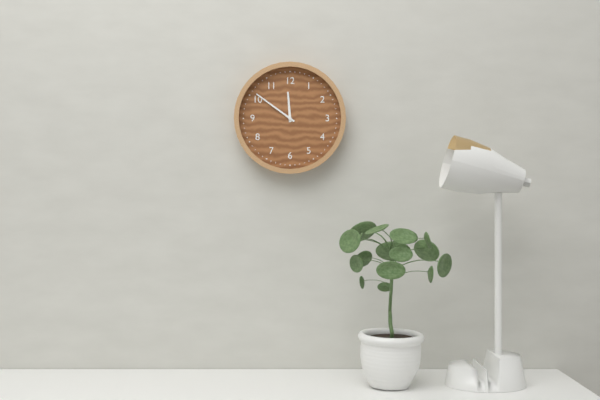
{"hour": 11, "minute": 51}
